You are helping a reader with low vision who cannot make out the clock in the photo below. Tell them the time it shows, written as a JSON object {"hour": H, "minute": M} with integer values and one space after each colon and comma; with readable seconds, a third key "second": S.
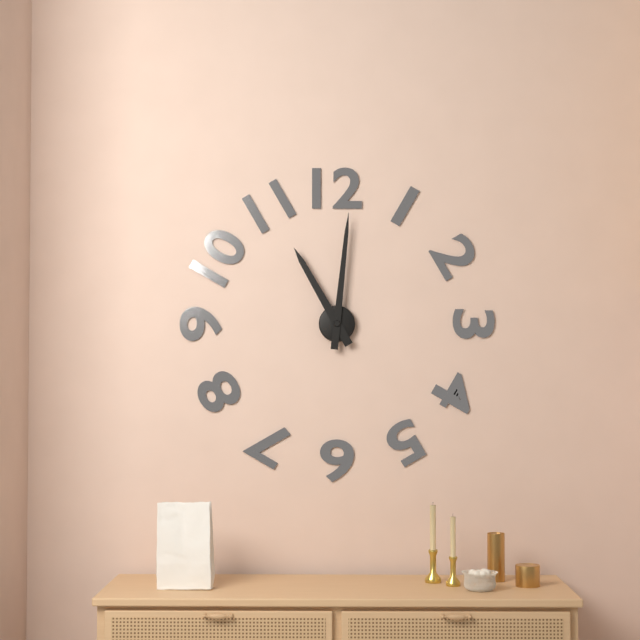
{"hour": 11, "minute": 1}
